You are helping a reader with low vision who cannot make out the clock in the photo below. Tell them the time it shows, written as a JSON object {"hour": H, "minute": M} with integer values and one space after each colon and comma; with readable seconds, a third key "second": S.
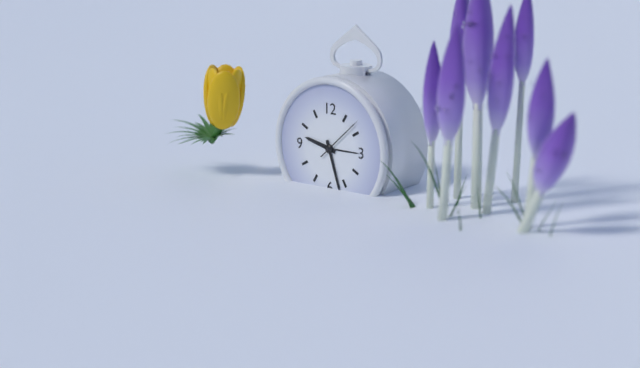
{"hour": 9, "minute": 27}
